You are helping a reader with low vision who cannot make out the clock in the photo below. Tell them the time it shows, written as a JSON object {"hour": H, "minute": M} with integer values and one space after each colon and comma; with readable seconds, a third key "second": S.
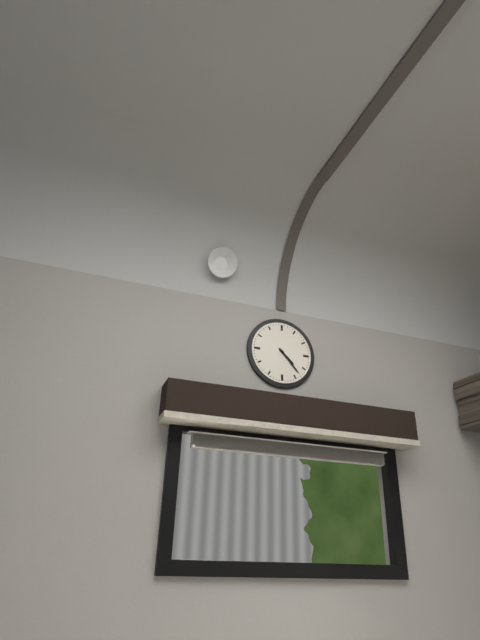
{"hour": 4, "minute": 23}
